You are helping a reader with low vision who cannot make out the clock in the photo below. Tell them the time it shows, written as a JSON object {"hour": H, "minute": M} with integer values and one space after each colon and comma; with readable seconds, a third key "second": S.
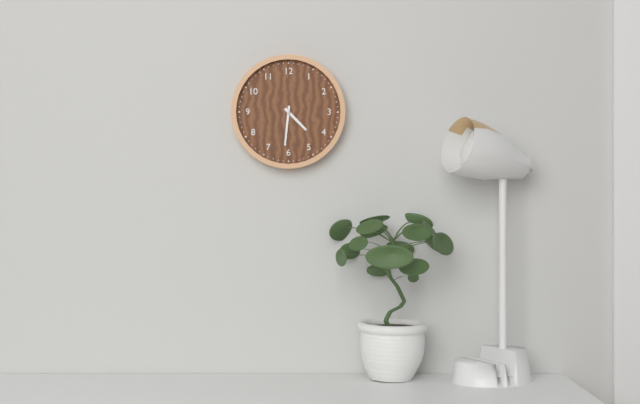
{"hour": 4, "minute": 31}
